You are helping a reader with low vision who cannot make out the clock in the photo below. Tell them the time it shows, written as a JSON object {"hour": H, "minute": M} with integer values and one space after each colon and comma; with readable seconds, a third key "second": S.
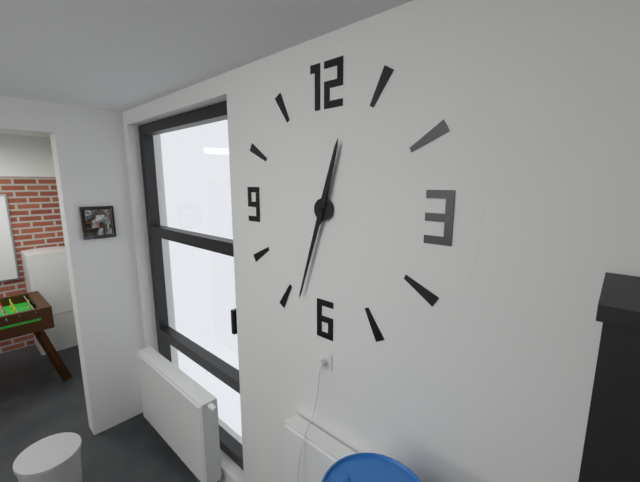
{"hour": 12, "minute": 33}
